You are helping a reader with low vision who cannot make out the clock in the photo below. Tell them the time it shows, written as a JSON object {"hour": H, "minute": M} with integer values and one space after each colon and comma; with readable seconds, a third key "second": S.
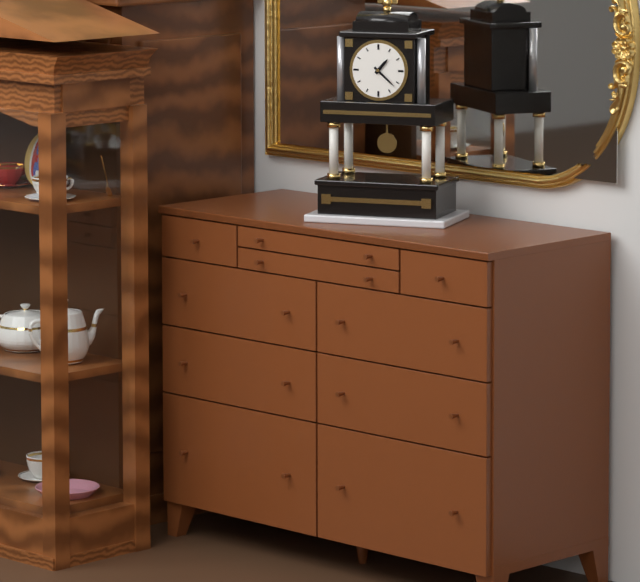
{"hour": 1, "minute": 22}
